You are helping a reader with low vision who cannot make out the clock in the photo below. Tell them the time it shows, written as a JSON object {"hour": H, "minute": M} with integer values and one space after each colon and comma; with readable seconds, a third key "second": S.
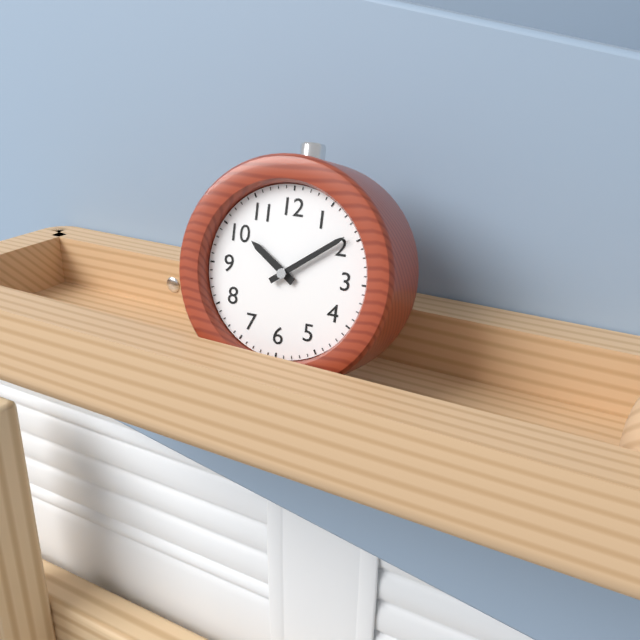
{"hour": 10, "minute": 9}
